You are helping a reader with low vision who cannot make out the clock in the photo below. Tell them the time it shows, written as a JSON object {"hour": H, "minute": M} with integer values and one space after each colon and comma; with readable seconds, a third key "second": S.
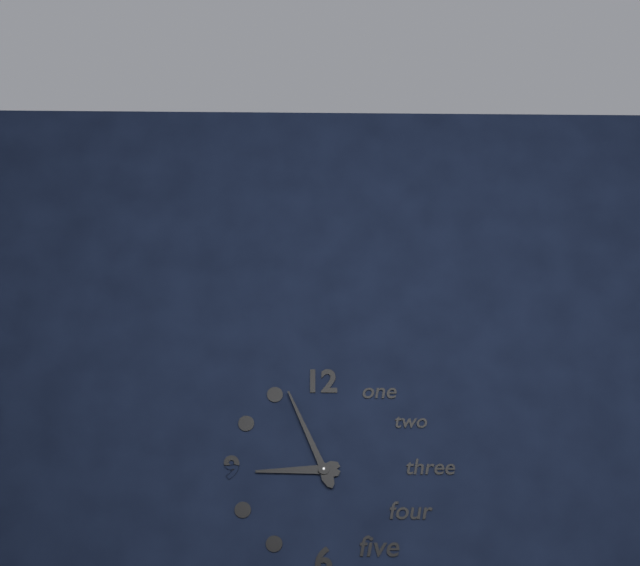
{"hour": 8, "minute": 56}
